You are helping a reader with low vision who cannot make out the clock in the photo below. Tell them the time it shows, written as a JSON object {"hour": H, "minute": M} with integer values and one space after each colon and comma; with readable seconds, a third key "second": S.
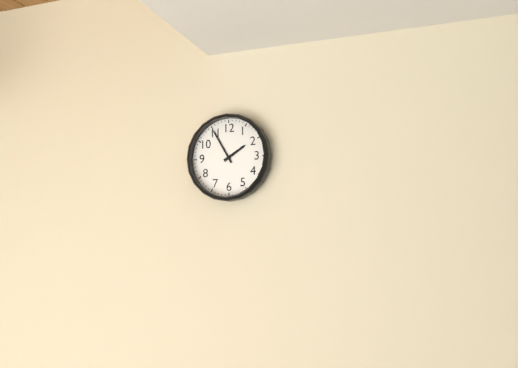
{"hour": 1, "minute": 55}
